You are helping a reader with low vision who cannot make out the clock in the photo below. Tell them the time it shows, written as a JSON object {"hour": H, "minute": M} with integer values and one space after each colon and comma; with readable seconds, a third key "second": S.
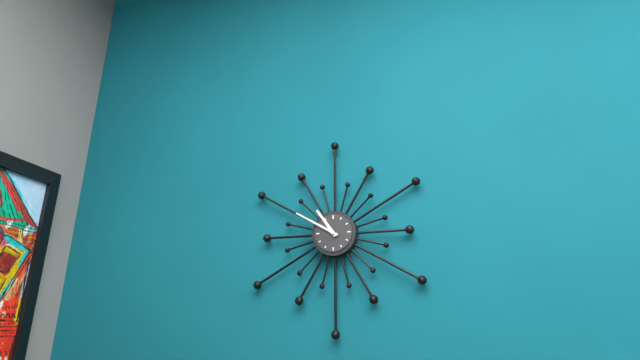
{"hour": 10, "minute": 50}
